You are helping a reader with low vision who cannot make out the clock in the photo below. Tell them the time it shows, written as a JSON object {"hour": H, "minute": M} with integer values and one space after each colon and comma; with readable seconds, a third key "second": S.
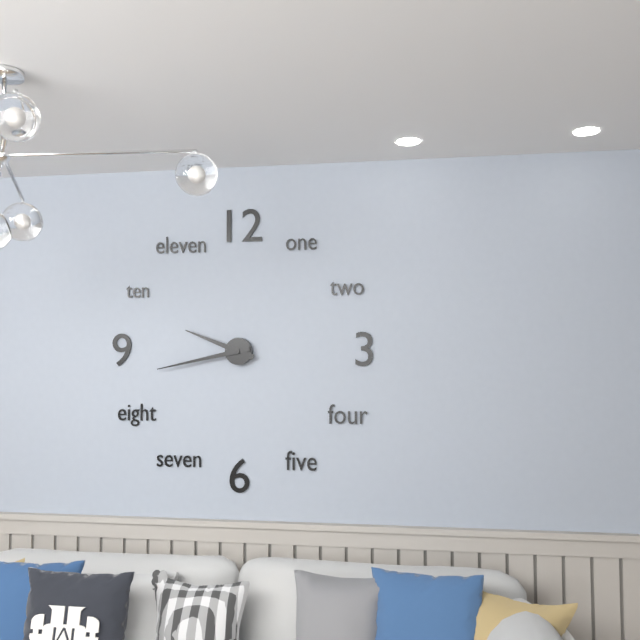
{"hour": 9, "minute": 43}
